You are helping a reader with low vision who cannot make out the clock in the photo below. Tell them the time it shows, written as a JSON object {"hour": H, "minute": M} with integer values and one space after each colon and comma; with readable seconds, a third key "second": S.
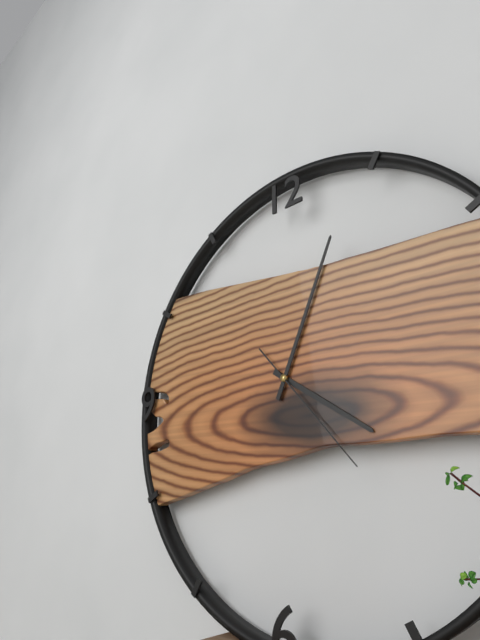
{"hour": 4, "minute": 4, "second": 23}
